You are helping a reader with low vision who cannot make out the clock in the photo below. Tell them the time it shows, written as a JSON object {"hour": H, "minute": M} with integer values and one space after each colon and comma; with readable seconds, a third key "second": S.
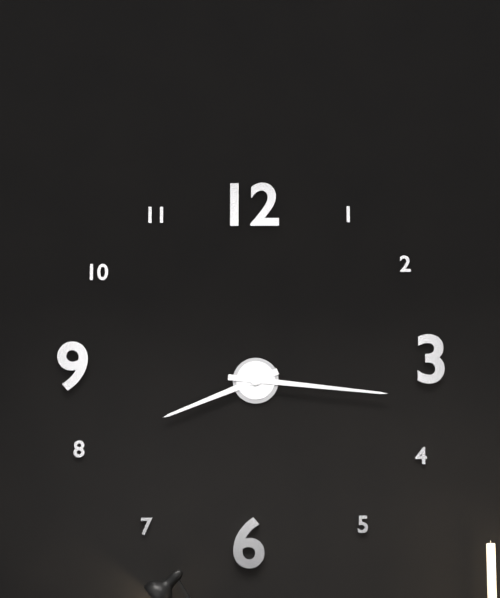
{"hour": 8, "minute": 16}
